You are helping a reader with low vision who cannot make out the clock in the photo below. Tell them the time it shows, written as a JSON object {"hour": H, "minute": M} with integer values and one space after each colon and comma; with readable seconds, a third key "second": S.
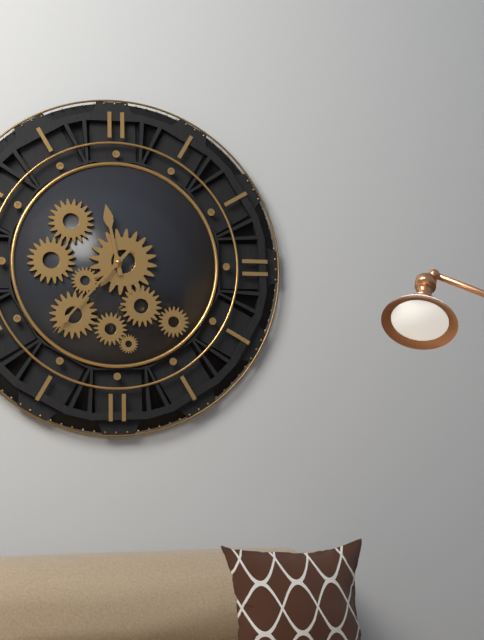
{"hour": 11, "minute": 37}
